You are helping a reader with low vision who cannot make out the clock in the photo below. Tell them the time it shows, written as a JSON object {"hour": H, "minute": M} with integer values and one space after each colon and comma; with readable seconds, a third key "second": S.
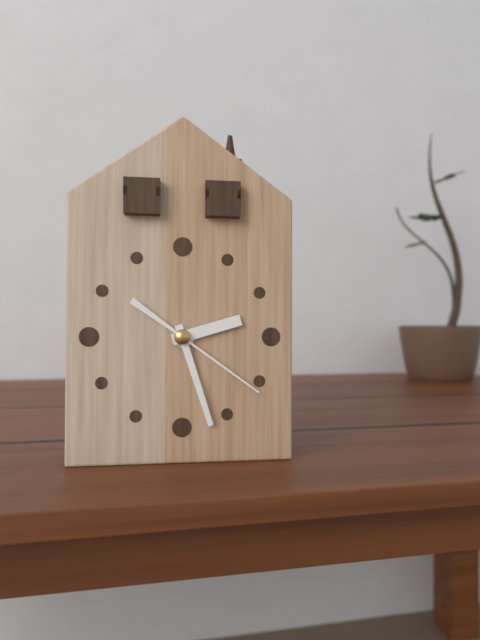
{"hour": 2, "minute": 27, "second": 21}
